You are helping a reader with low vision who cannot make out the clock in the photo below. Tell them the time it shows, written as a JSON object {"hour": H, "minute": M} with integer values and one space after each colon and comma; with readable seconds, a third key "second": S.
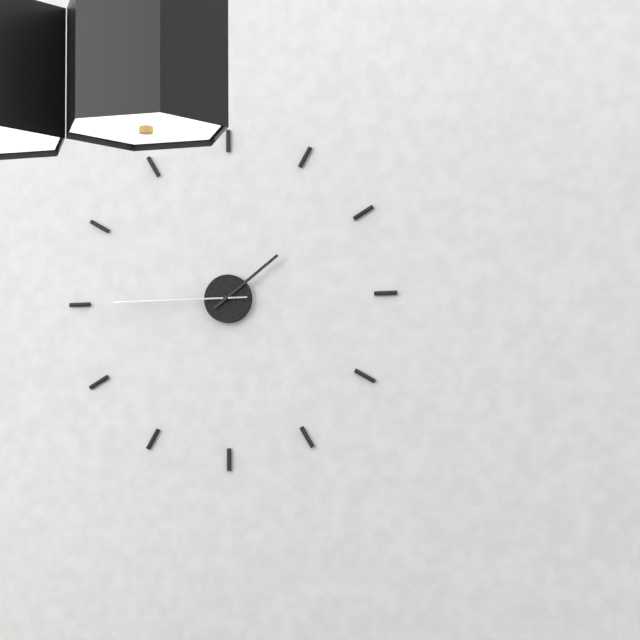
{"hour": 1, "minute": 45}
